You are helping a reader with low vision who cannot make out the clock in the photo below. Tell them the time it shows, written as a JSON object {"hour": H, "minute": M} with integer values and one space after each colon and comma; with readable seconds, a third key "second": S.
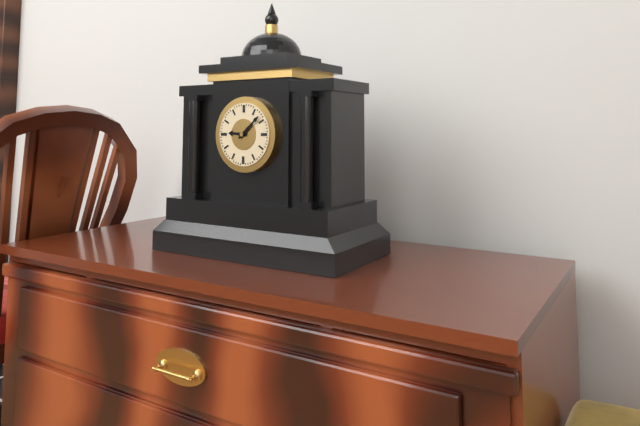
{"hour": 9, "minute": 8}
